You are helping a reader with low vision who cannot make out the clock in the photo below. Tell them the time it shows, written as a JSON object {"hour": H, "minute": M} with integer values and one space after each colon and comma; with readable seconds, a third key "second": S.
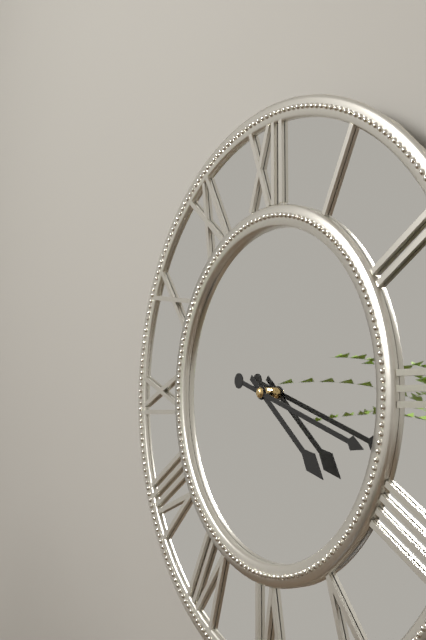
{"hour": 4, "minute": 18}
